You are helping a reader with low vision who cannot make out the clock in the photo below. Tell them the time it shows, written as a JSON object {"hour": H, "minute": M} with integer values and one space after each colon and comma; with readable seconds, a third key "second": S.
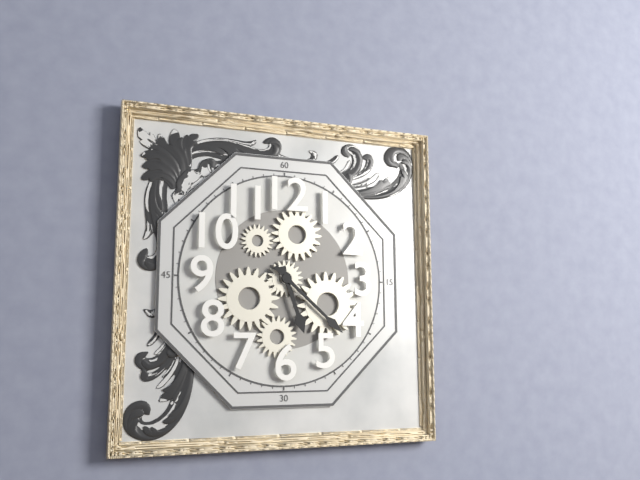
{"hour": 5, "minute": 22}
